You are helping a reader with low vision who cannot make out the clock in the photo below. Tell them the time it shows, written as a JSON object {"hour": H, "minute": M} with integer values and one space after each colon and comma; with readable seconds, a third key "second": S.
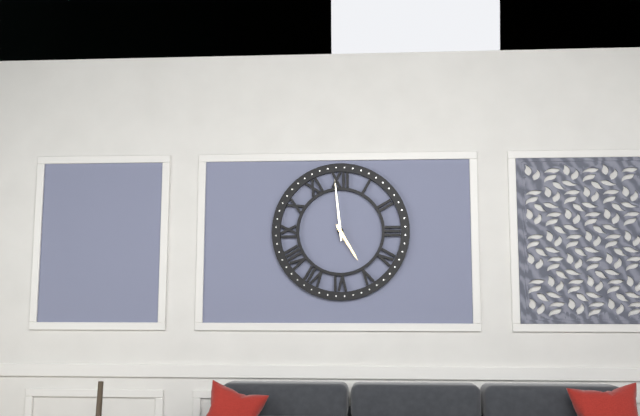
{"hour": 4, "minute": 59}
